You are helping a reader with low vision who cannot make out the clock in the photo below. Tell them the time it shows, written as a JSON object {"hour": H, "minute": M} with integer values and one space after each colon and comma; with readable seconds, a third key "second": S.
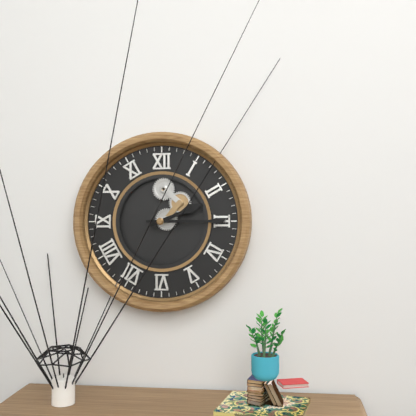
{"hour": 2, "minute": 15}
